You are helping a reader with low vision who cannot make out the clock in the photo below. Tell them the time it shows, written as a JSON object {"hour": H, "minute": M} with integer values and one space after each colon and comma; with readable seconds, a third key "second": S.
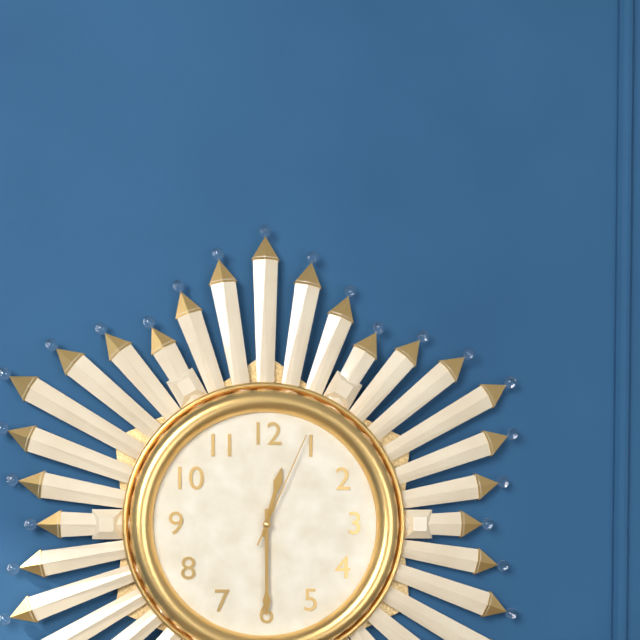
{"hour": 12, "minute": 30, "second": 4}
